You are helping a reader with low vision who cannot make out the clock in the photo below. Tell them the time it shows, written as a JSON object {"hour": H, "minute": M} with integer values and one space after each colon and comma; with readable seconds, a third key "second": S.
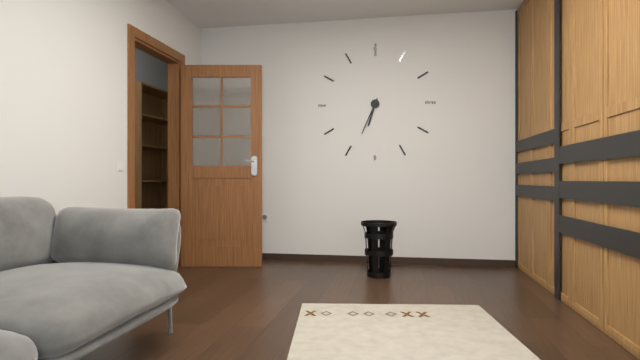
{"hour": 6, "minute": 34}
